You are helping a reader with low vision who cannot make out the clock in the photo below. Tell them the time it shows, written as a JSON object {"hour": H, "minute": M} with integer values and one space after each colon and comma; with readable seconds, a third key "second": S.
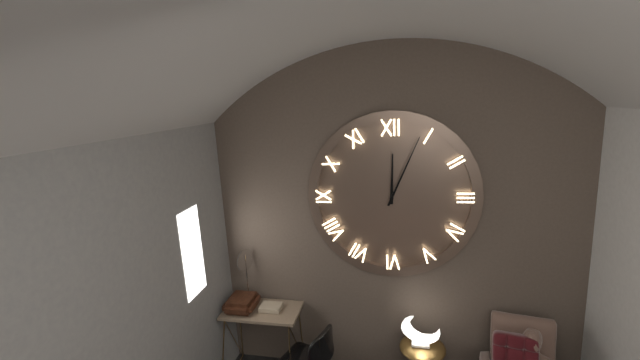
{"hour": 12, "minute": 4}
